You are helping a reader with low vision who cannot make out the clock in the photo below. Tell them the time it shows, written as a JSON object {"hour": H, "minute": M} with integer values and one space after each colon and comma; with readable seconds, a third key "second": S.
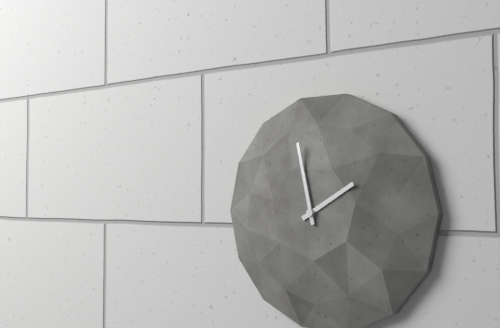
{"hour": 1, "minute": 58}
